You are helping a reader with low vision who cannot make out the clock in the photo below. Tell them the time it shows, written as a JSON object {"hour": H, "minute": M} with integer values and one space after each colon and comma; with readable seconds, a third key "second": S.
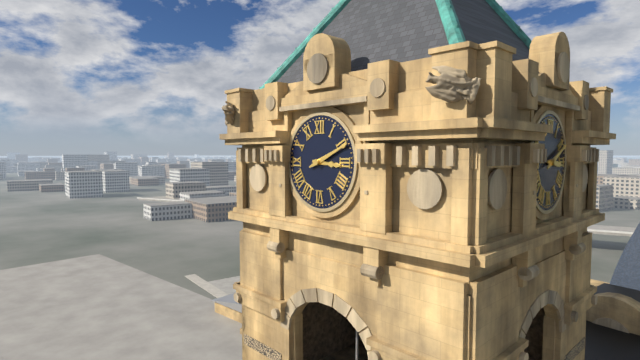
{"hour": 3, "minute": 11}
